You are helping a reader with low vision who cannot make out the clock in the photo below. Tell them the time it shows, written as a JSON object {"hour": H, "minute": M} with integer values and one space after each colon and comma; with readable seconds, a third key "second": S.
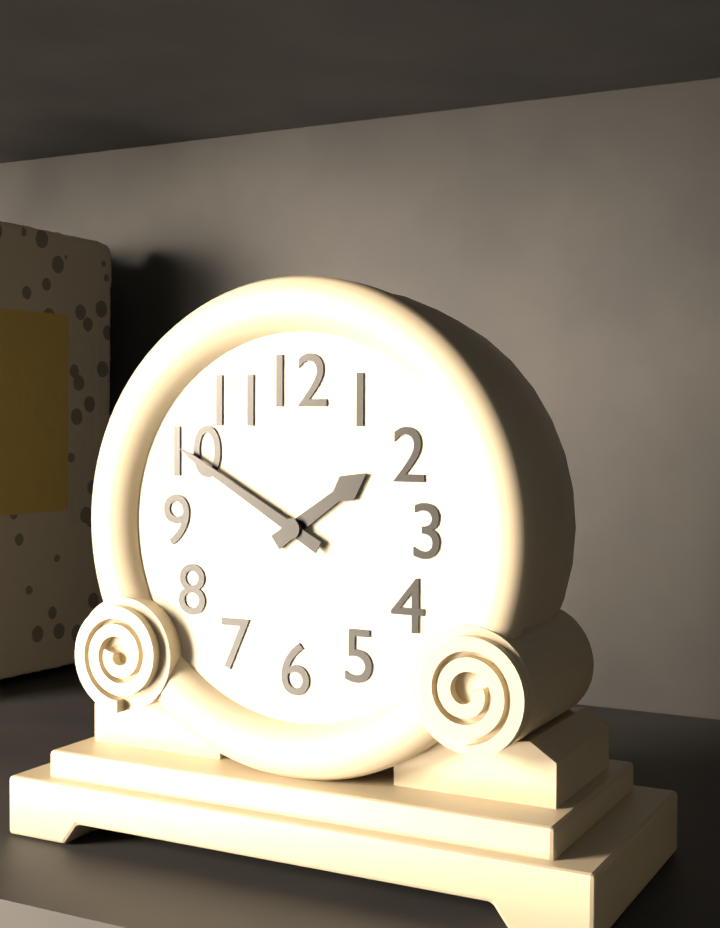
{"hour": 1, "minute": 50}
